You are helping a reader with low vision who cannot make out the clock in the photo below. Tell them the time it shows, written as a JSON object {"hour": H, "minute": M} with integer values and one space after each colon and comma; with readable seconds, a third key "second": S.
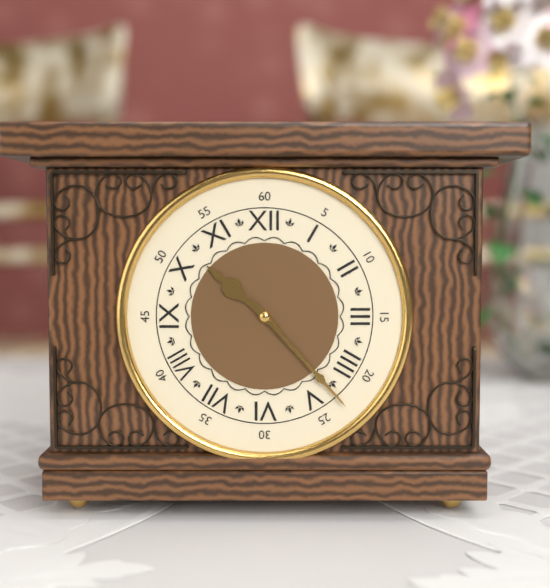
{"hour": 10, "minute": 23}
